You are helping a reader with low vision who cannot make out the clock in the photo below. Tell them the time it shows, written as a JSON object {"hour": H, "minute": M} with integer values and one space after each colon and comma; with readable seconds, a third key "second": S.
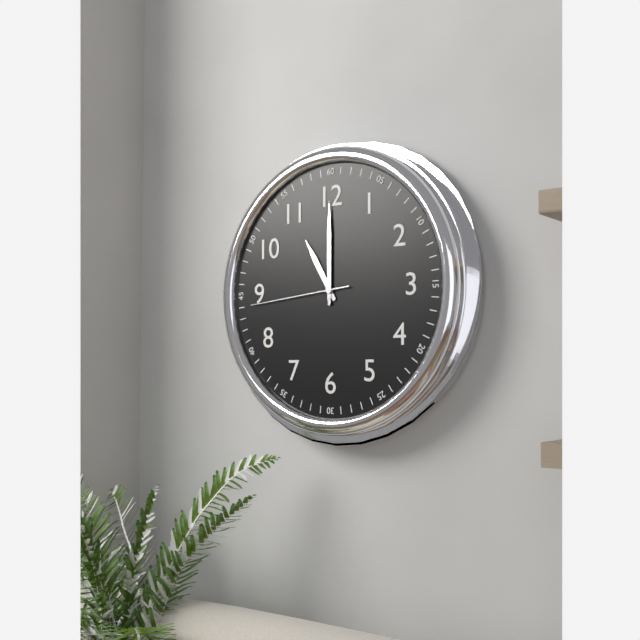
{"hour": 11, "minute": 0, "second": 44}
